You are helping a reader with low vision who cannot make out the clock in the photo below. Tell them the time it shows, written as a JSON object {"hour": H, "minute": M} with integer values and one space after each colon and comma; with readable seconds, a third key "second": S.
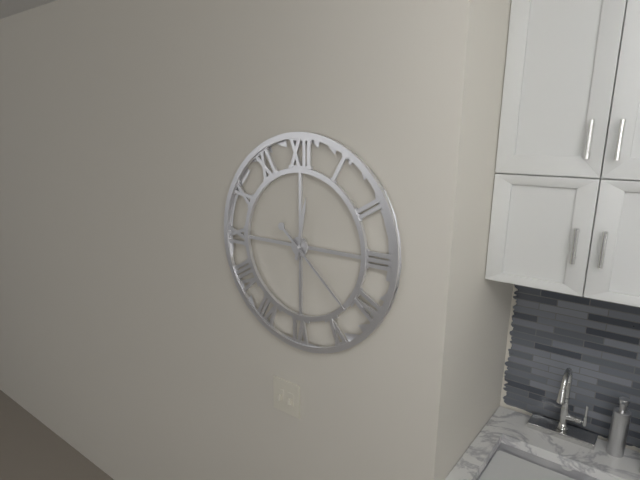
{"hour": 12, "minute": 22}
